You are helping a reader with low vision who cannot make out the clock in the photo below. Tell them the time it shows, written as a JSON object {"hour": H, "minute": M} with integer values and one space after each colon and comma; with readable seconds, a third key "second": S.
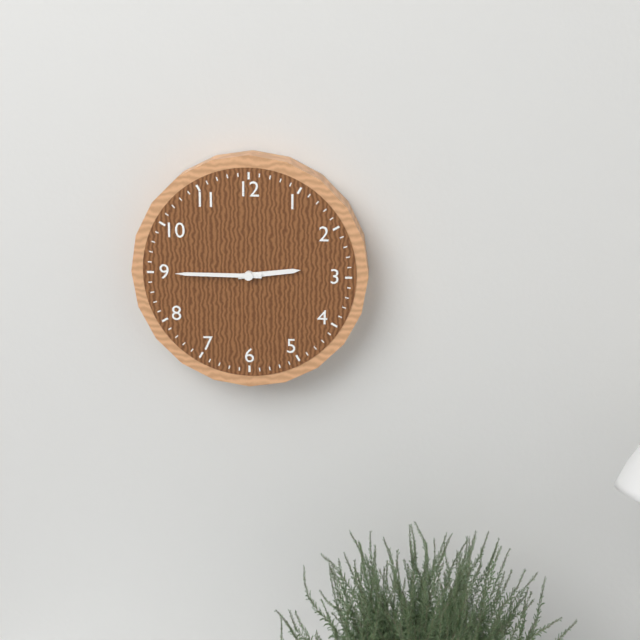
{"hour": 2, "minute": 45}
